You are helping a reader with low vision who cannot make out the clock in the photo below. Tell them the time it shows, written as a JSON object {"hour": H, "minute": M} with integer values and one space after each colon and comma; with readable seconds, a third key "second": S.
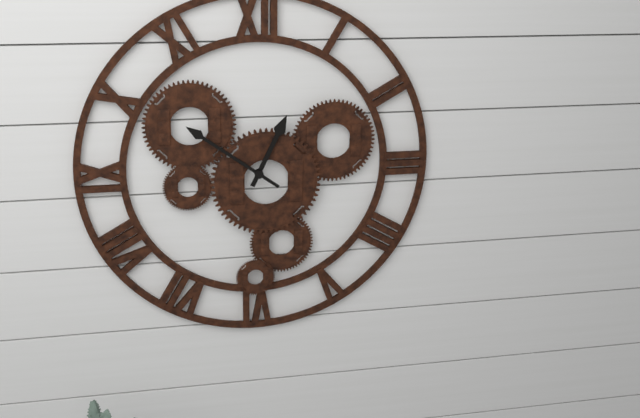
{"hour": 12, "minute": 51}
